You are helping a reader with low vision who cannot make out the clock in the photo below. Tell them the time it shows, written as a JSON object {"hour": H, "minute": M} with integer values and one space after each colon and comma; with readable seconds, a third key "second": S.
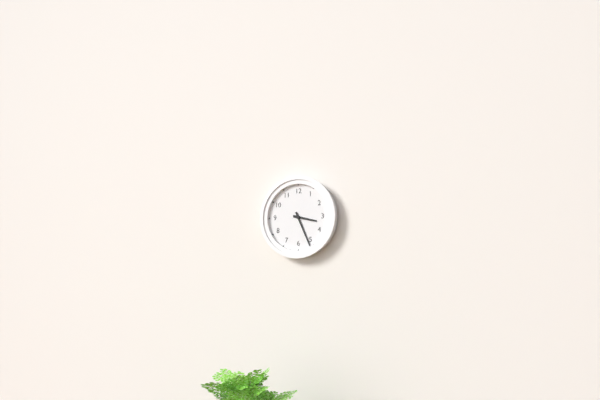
{"hour": 3, "minute": 26}
